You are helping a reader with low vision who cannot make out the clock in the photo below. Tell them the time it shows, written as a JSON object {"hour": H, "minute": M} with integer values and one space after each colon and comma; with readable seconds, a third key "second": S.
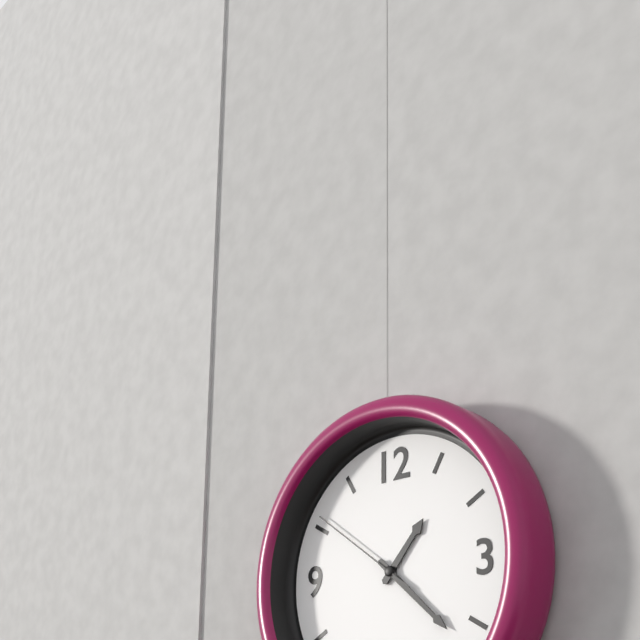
{"hour": 1, "minute": 22, "second": 51}
